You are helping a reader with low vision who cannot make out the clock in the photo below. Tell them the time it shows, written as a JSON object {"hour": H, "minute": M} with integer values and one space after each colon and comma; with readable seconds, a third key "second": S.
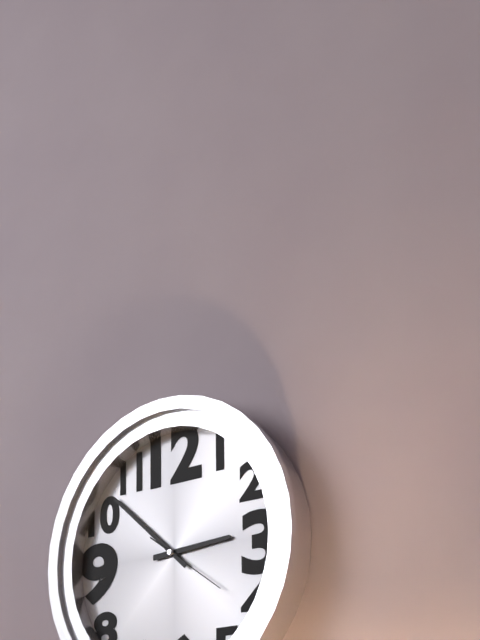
{"hour": 2, "minute": 52, "second": 21}
